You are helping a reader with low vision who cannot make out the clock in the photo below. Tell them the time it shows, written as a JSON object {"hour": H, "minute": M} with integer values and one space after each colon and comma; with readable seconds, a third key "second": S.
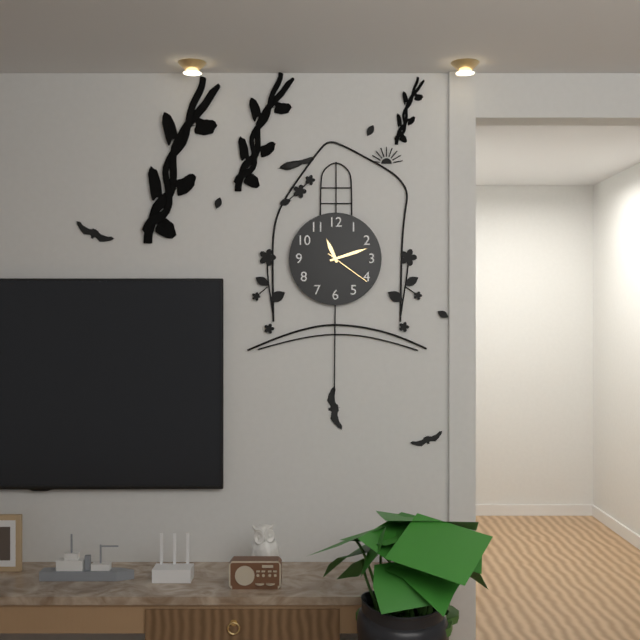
{"hour": 11, "minute": 12}
